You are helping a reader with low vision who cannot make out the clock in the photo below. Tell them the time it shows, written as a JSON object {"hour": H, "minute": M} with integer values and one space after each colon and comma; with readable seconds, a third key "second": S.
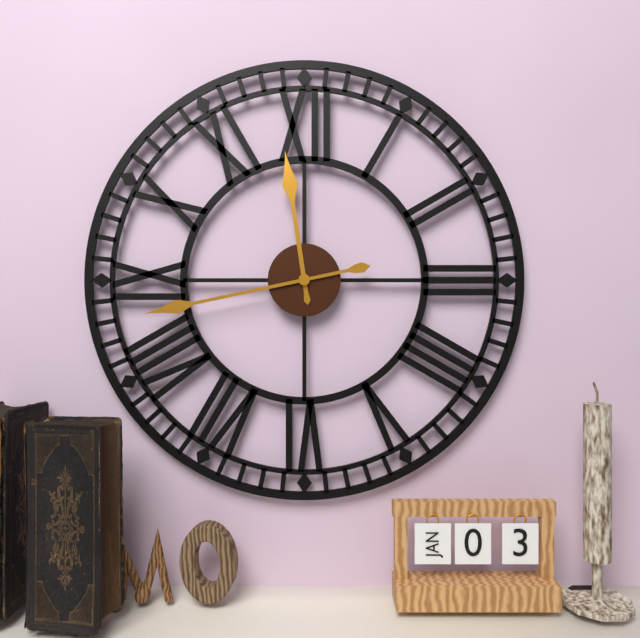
{"hour": 11, "minute": 43}
